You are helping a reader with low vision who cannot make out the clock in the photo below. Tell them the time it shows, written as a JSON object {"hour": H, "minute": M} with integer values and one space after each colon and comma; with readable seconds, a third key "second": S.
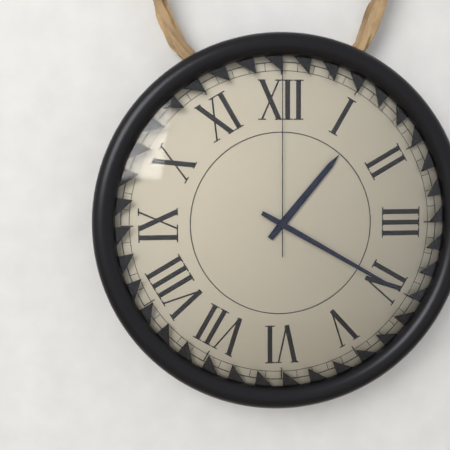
{"hour": 1, "minute": 20, "second": 0}
